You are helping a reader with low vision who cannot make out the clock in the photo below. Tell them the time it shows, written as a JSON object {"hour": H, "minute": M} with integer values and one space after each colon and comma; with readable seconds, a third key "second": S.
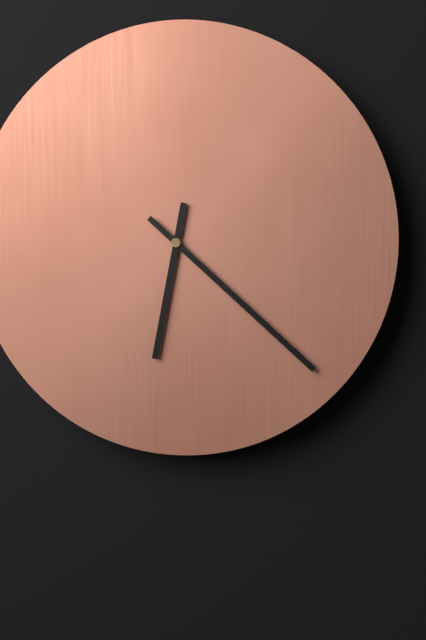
{"hour": 6, "minute": 22}
